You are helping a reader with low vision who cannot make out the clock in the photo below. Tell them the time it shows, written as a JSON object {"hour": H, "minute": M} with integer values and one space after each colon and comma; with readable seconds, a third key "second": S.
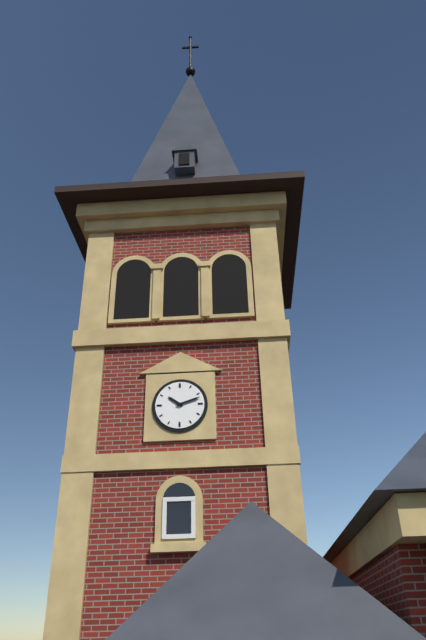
{"hour": 10, "minute": 12}
